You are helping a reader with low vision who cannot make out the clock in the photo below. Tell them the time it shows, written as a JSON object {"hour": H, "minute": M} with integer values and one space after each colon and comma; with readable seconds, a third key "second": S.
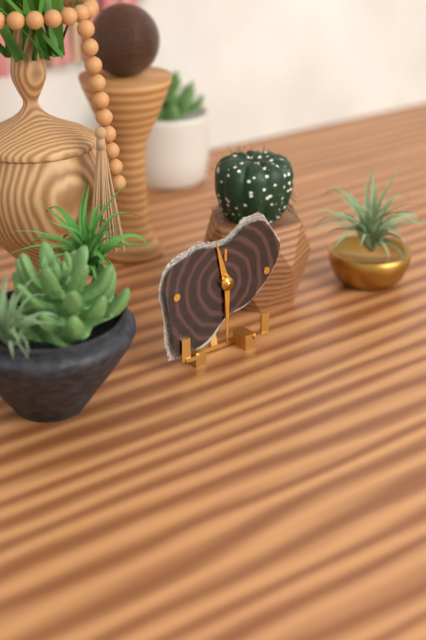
{"hour": 11, "minute": 30}
